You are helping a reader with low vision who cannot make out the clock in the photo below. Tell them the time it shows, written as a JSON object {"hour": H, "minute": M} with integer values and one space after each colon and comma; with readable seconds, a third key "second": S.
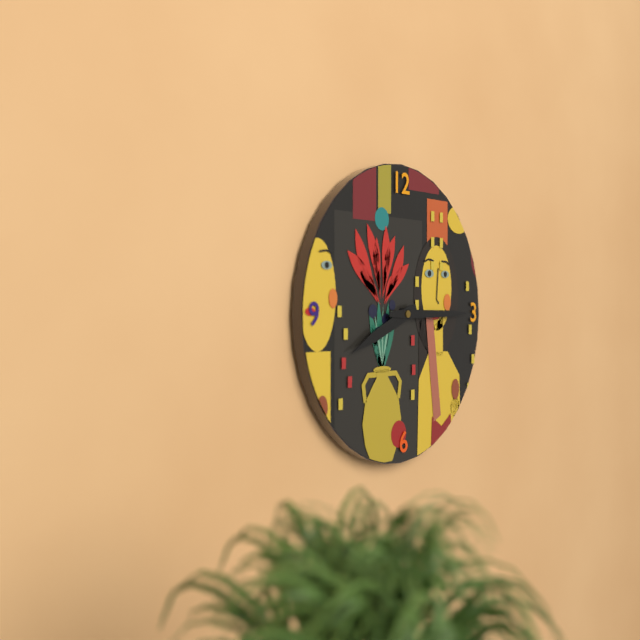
{"hour": 8, "minute": 15}
